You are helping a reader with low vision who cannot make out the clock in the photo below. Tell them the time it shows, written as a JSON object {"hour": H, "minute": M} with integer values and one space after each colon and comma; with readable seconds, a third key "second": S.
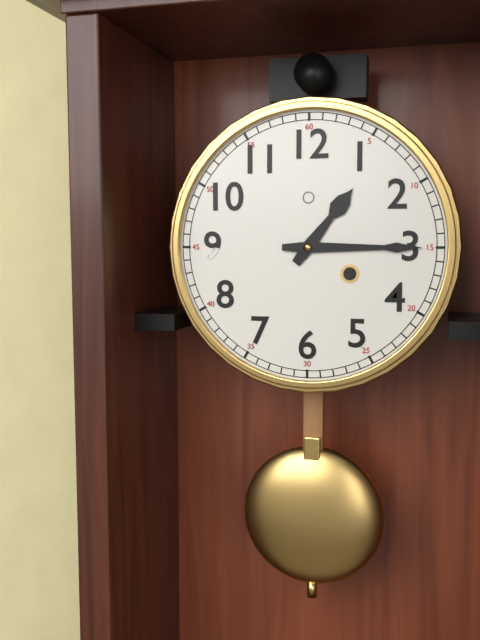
{"hour": 1, "minute": 15}
